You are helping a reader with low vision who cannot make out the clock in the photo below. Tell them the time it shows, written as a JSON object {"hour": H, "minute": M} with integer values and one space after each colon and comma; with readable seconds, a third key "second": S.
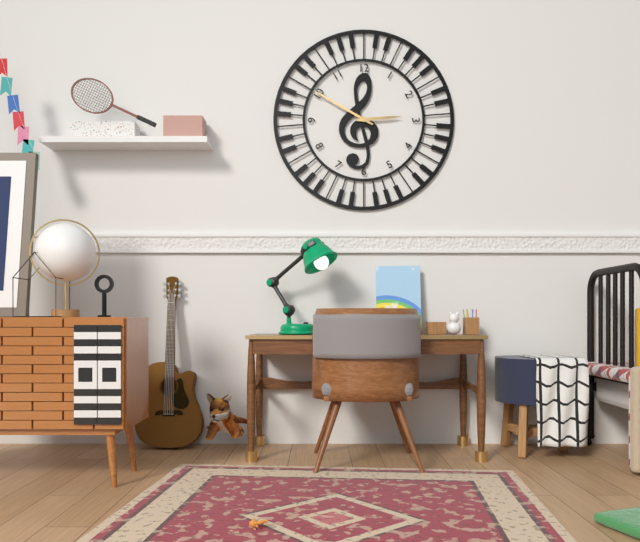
{"hour": 2, "minute": 50}
